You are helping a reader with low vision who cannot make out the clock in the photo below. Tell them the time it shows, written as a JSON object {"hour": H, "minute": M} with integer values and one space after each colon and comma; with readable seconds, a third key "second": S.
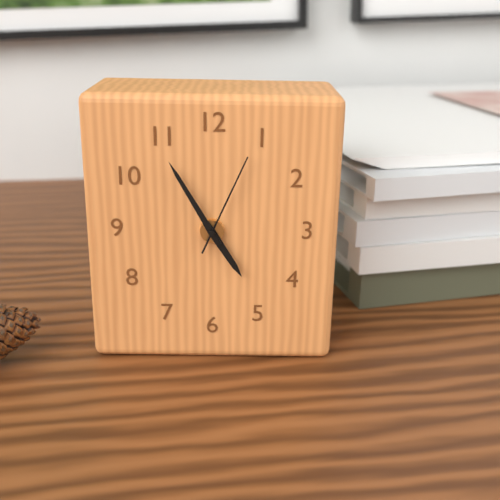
{"hour": 4, "minute": 55, "second": 4}
